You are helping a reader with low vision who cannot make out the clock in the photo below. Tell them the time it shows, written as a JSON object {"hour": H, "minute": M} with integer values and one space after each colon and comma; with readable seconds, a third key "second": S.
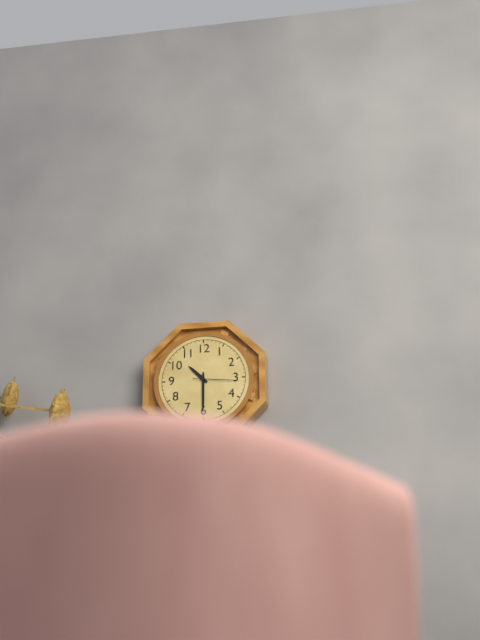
{"hour": 10, "minute": 30}
